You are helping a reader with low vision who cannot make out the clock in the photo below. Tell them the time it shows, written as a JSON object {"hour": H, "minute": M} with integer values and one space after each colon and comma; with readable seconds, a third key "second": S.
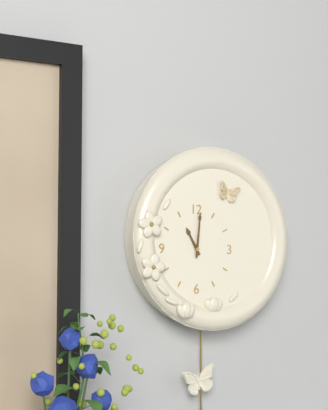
{"hour": 11, "minute": 1}
